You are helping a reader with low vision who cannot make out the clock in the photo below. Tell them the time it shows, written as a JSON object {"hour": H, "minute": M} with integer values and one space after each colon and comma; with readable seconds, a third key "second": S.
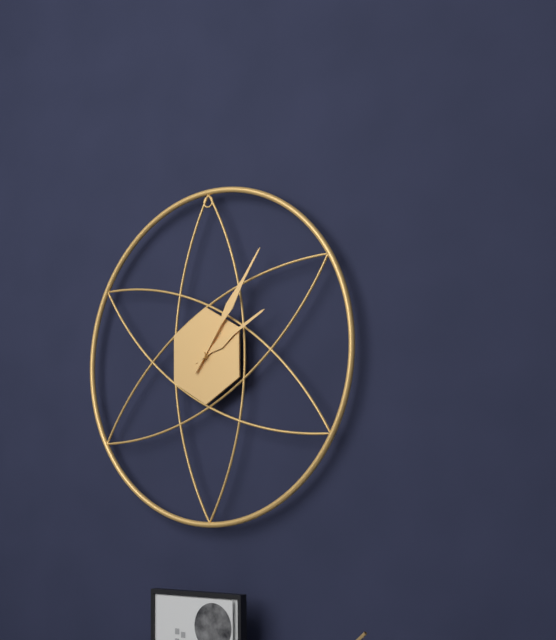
{"hour": 2, "minute": 6}
